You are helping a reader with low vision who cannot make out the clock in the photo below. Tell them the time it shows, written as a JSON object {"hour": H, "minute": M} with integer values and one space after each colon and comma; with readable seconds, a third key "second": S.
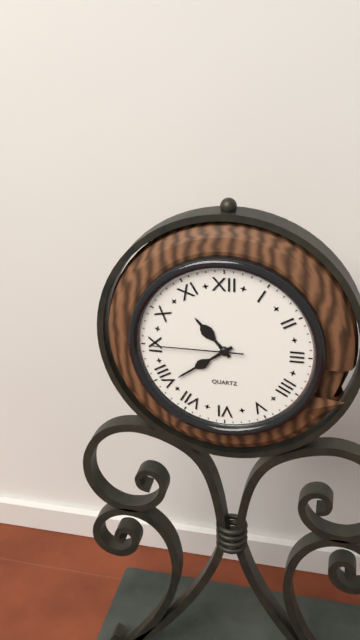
{"hour": 10, "minute": 39, "second": 45}
